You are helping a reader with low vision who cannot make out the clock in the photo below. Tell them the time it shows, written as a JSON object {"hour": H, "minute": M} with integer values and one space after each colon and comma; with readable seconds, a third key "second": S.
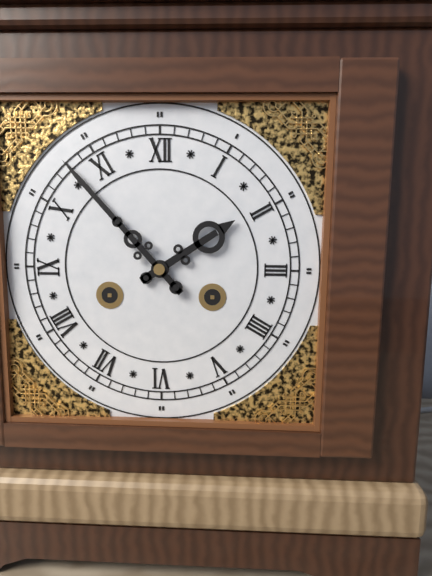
{"hour": 1, "minute": 53}
